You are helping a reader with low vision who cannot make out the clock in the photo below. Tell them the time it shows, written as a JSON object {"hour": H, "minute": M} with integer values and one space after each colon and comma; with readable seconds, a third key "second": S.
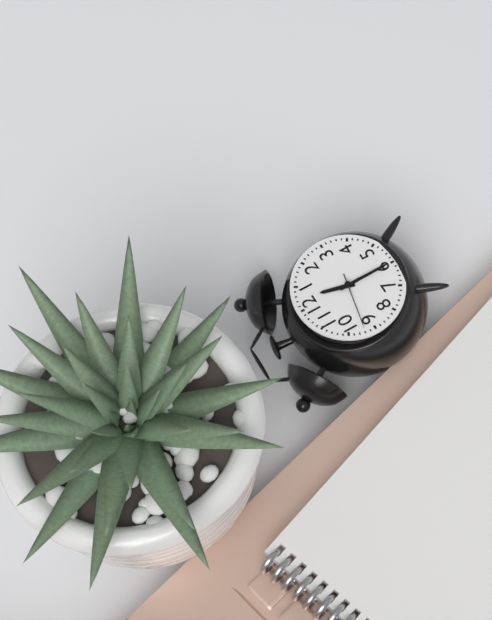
{"hour": 12, "minute": 30, "second": 47}
